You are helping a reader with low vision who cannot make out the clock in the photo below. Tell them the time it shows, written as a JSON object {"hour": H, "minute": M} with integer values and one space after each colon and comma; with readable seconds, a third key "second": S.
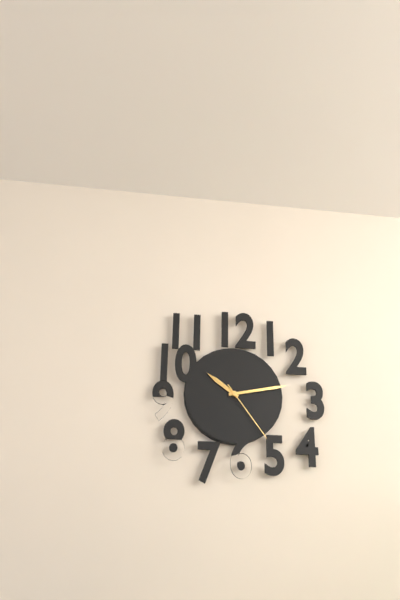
{"hour": 10, "minute": 13, "second": 24}
